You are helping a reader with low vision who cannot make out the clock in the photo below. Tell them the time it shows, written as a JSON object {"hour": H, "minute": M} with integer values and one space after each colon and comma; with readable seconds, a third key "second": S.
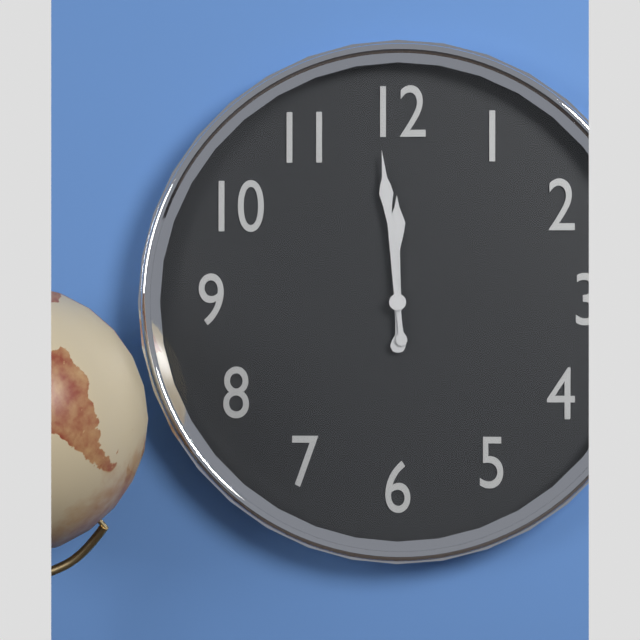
{"hour": 11, "minute": 59}
